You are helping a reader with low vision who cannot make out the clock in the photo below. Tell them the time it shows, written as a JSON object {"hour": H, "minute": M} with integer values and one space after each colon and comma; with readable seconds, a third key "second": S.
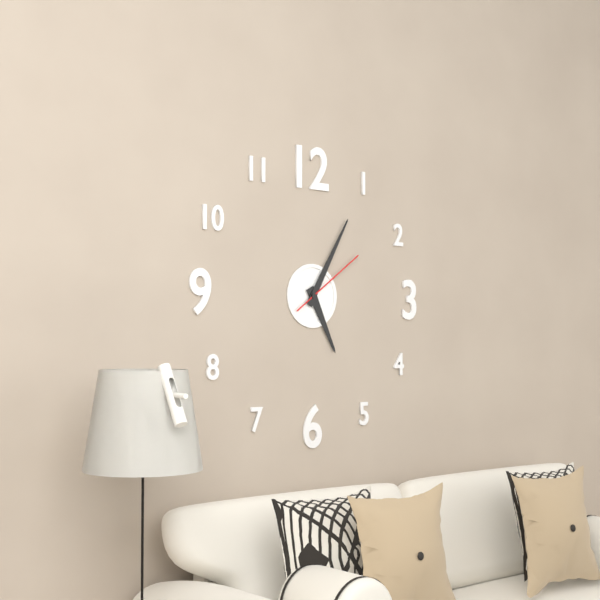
{"hour": 5, "minute": 5, "second": 9}
